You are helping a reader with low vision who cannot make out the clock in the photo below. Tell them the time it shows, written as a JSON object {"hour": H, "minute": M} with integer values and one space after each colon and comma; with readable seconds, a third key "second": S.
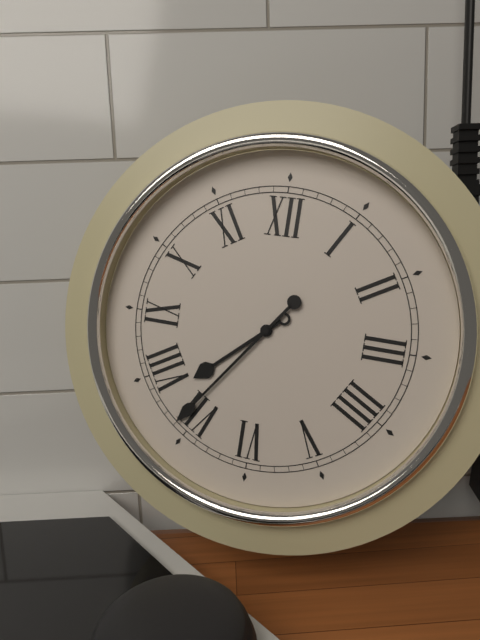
{"hour": 7, "minute": 36}
